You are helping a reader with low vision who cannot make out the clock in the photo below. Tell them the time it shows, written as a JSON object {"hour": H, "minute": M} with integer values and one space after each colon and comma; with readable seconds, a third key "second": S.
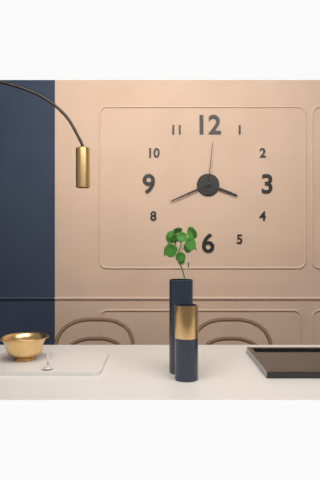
{"hour": 3, "minute": 41, "second": 1}
